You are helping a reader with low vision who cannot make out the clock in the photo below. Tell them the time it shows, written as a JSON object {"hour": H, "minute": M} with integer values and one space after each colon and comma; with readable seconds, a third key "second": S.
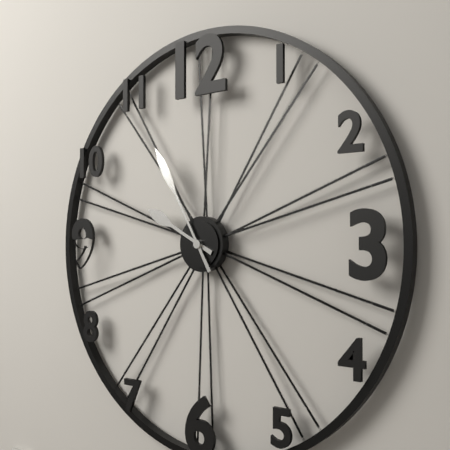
{"hour": 9, "minute": 55}
